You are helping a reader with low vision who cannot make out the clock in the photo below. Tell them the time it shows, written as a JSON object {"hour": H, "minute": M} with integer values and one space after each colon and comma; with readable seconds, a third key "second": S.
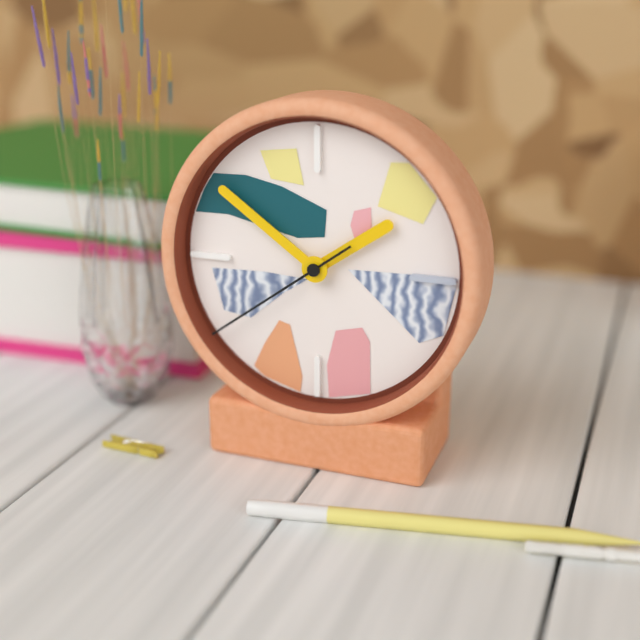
{"hour": 1, "minute": 51, "second": 39}
